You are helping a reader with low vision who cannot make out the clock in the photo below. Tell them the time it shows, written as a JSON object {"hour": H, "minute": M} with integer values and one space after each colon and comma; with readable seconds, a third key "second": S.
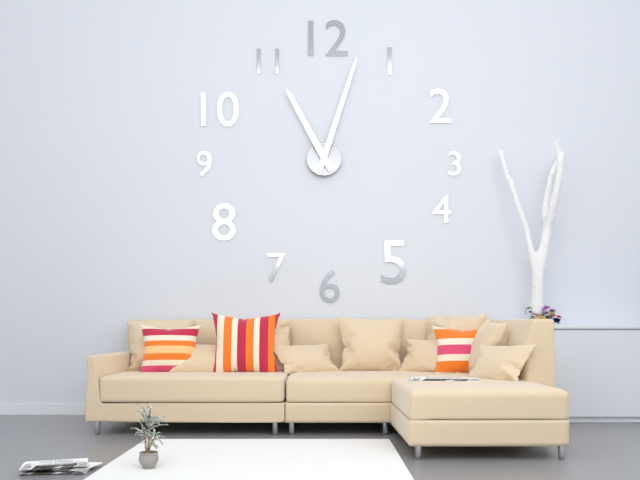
{"hour": 11, "minute": 3}
